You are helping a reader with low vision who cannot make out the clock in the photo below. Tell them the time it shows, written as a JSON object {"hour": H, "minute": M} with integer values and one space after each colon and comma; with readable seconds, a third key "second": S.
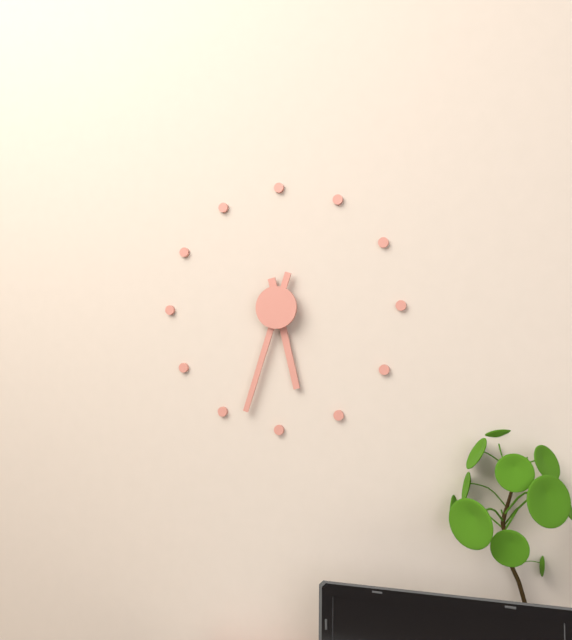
{"hour": 5, "minute": 33}
